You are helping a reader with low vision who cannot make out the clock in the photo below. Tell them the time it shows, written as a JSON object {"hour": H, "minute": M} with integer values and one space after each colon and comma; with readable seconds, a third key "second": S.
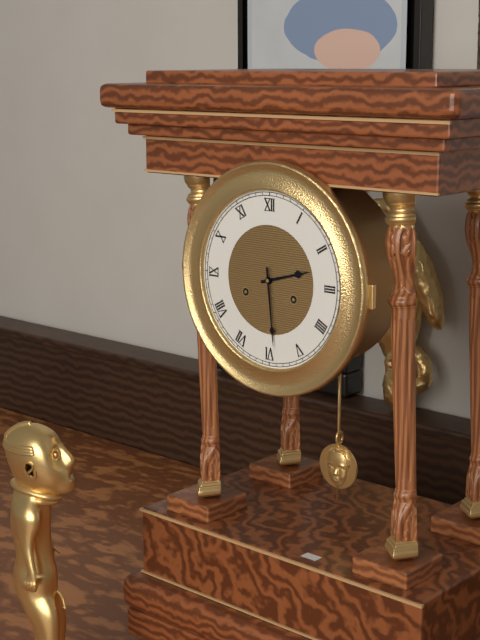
{"hour": 2, "minute": 29}
